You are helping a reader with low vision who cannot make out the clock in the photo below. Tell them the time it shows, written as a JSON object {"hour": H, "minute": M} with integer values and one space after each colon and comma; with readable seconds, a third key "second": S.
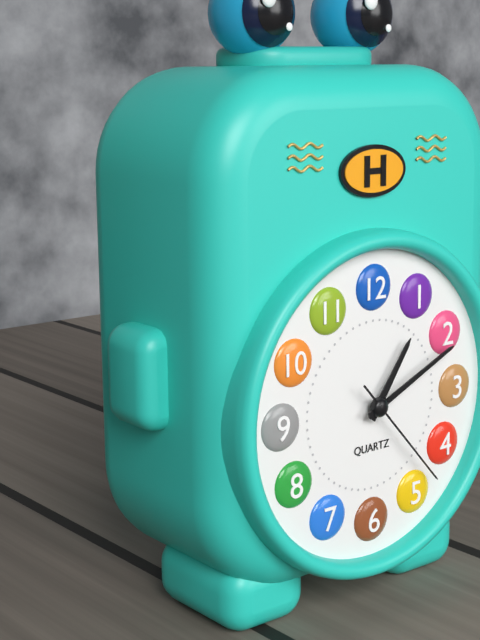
{"hour": 1, "minute": 11, "second": 23}
